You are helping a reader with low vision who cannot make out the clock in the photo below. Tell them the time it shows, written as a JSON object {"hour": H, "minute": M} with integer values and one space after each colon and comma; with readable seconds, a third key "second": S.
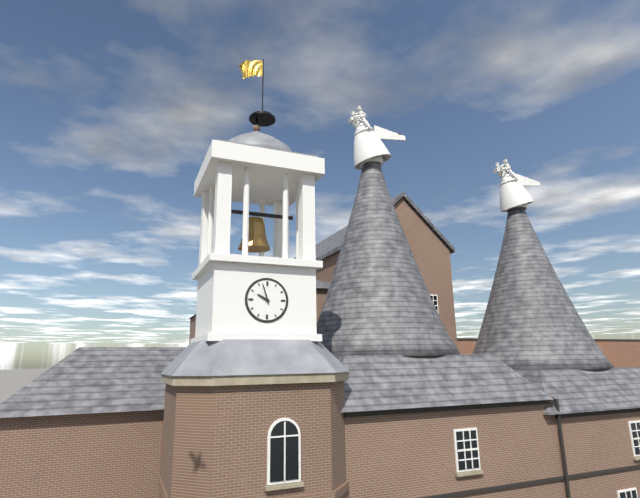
{"hour": 9, "minute": 57}
